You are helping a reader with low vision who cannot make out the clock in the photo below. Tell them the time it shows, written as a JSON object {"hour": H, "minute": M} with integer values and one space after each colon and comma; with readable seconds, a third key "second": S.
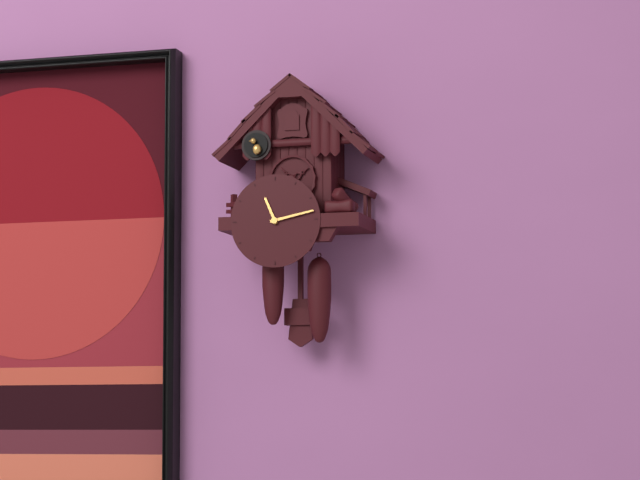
{"hour": 11, "minute": 13}
